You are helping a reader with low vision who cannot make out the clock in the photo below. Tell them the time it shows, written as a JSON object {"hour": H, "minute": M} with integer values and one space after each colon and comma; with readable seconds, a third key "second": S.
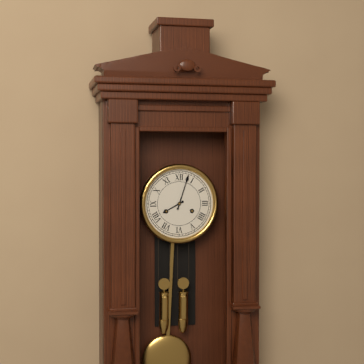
{"hour": 8, "minute": 3}
